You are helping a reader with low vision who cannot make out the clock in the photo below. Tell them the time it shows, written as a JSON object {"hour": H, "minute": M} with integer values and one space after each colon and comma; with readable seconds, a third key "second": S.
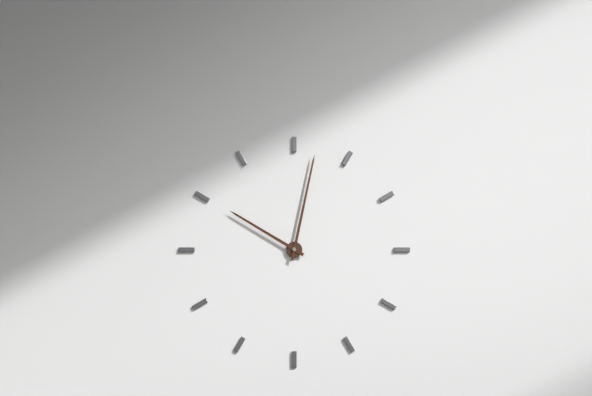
{"hour": 10, "minute": 2}
